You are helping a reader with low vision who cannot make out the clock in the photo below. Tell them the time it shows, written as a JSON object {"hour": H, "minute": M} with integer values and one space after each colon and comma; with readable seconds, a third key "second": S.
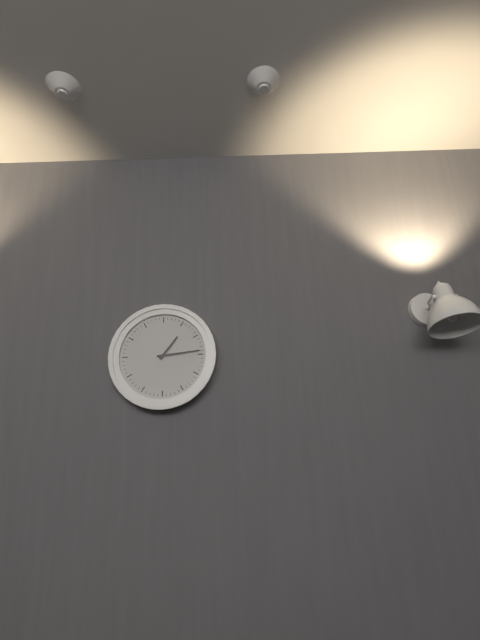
{"hour": 1, "minute": 14}
